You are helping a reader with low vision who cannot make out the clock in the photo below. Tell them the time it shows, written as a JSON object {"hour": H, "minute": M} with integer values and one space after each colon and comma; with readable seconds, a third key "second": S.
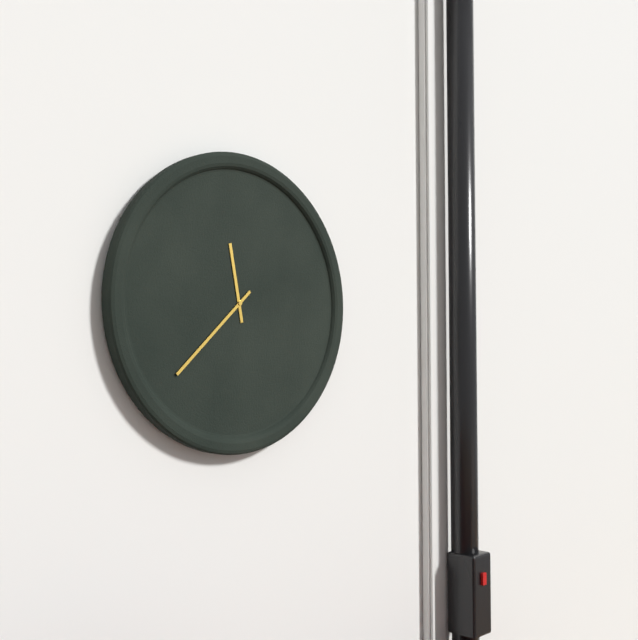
{"hour": 11, "minute": 38}
